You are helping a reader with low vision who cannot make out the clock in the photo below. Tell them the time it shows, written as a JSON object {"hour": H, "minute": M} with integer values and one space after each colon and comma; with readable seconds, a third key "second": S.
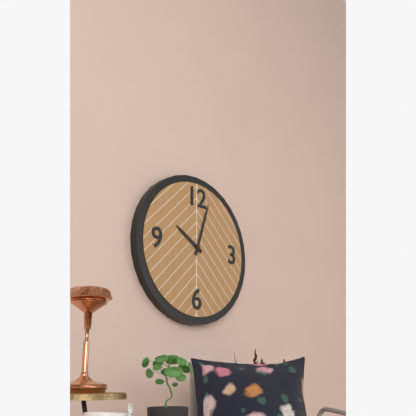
{"hour": 10, "minute": 3}
